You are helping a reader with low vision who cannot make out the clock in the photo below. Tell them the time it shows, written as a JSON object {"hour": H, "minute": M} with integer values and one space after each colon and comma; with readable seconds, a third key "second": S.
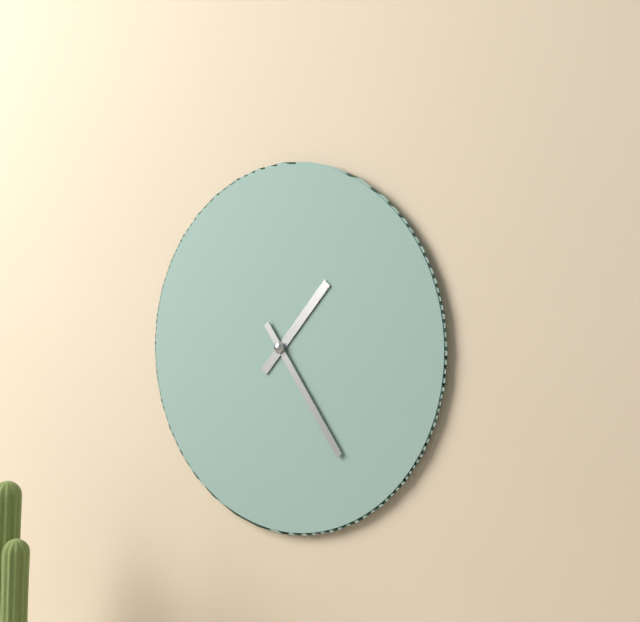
{"hour": 1, "minute": 24}
